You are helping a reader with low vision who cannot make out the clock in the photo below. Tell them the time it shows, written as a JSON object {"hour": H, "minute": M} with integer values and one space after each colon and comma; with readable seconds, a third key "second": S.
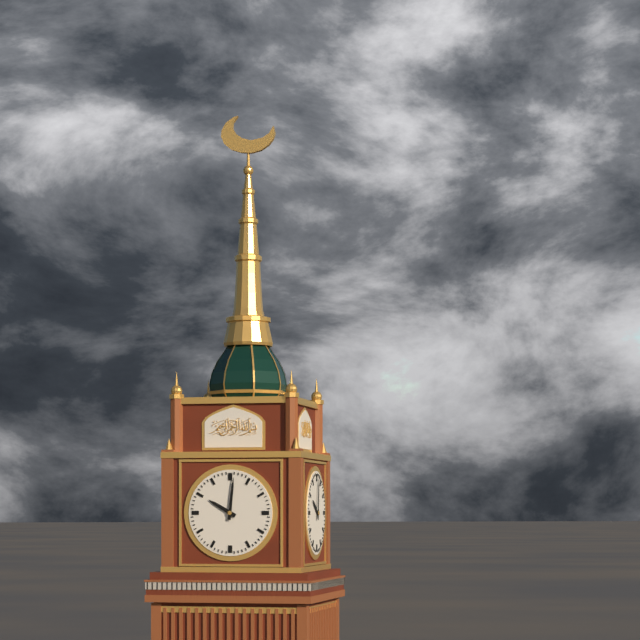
{"hour": 10, "minute": 1}
